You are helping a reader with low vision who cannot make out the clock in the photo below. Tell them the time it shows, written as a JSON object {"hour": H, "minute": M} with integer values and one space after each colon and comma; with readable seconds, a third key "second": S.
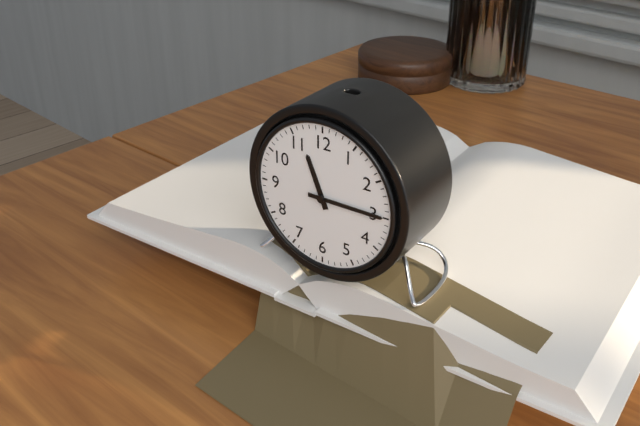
{"hour": 11, "minute": 15}
